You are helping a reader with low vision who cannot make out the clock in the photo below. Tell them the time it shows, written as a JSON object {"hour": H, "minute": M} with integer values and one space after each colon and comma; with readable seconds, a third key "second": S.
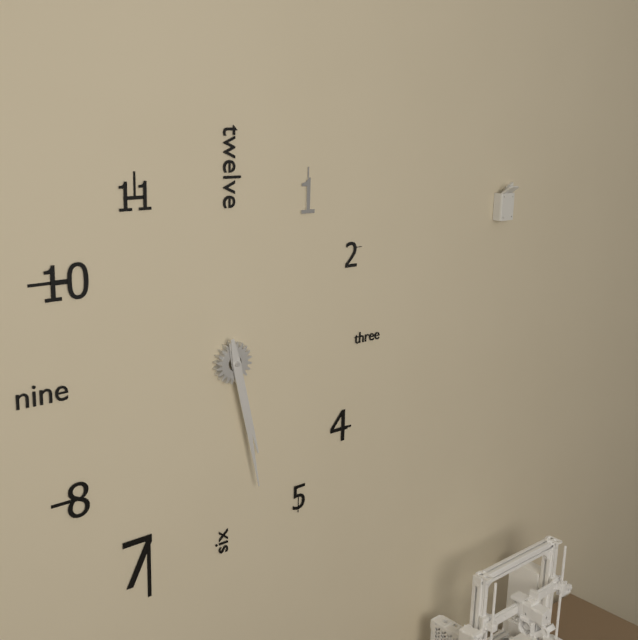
{"hour": 5, "minute": 28}
